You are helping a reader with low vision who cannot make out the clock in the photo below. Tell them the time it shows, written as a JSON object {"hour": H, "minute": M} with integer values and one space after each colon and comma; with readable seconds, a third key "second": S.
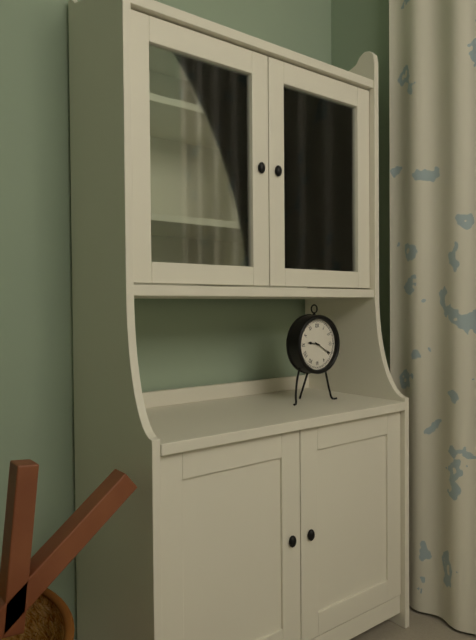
{"hour": 9, "minute": 20}
